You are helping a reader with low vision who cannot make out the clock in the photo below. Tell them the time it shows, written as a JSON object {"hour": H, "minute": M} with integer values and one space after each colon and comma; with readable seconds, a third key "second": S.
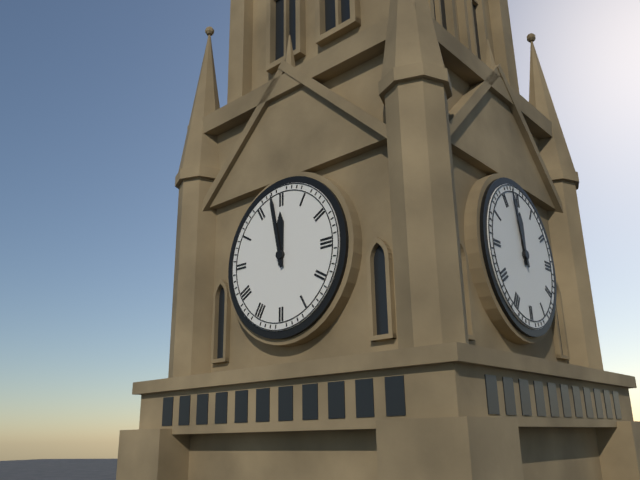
{"hour": 11, "minute": 58}
